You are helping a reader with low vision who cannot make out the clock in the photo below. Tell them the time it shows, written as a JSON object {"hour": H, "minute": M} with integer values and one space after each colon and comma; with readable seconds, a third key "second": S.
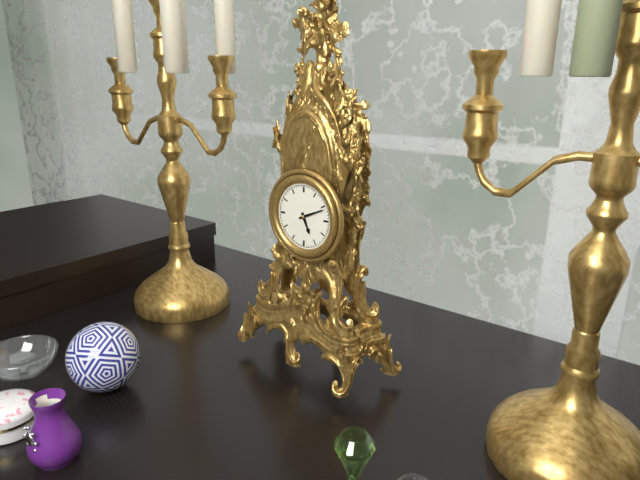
{"hour": 5, "minute": 11}
